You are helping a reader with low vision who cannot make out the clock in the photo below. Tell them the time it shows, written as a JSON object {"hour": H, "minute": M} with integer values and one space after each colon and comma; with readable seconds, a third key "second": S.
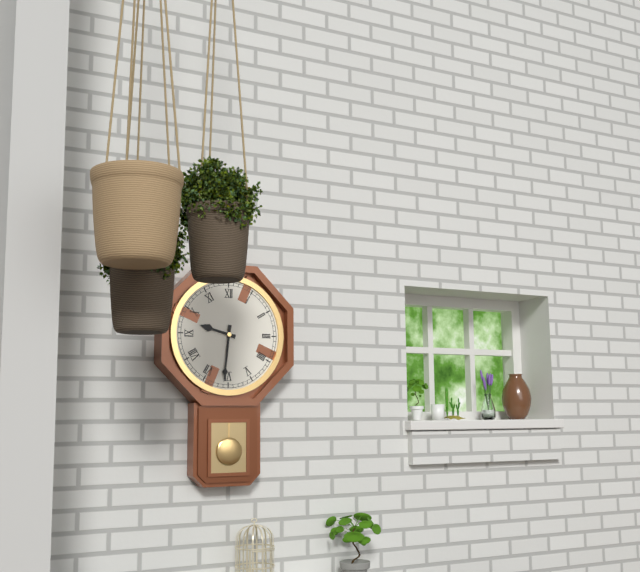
{"hour": 9, "minute": 31}
